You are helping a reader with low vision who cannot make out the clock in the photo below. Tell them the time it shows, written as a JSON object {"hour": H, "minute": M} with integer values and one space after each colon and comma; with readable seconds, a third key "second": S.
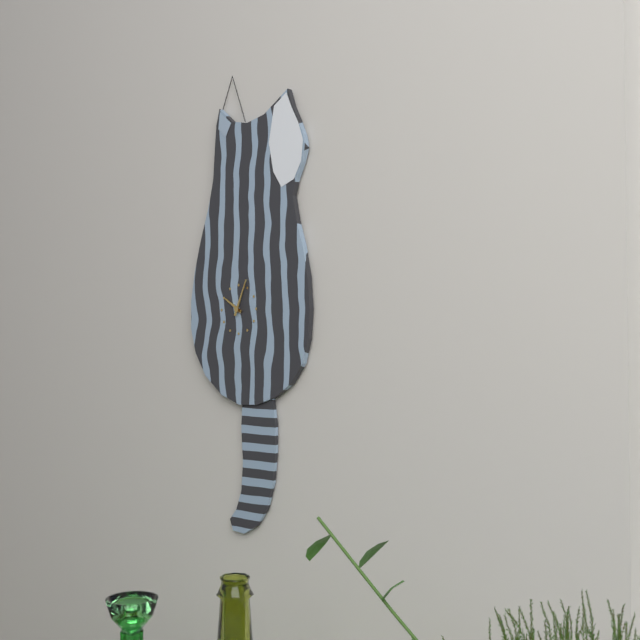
{"hour": 10, "minute": 4}
